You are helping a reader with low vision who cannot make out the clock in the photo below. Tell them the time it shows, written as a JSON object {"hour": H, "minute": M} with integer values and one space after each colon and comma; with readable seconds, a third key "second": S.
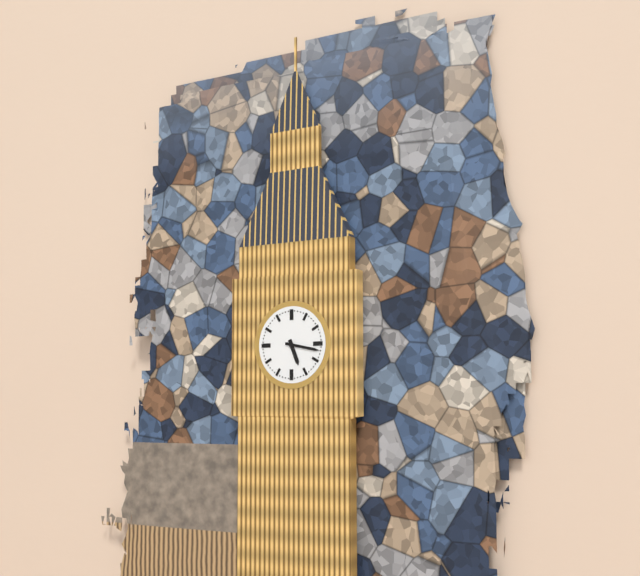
{"hour": 5, "minute": 17}
